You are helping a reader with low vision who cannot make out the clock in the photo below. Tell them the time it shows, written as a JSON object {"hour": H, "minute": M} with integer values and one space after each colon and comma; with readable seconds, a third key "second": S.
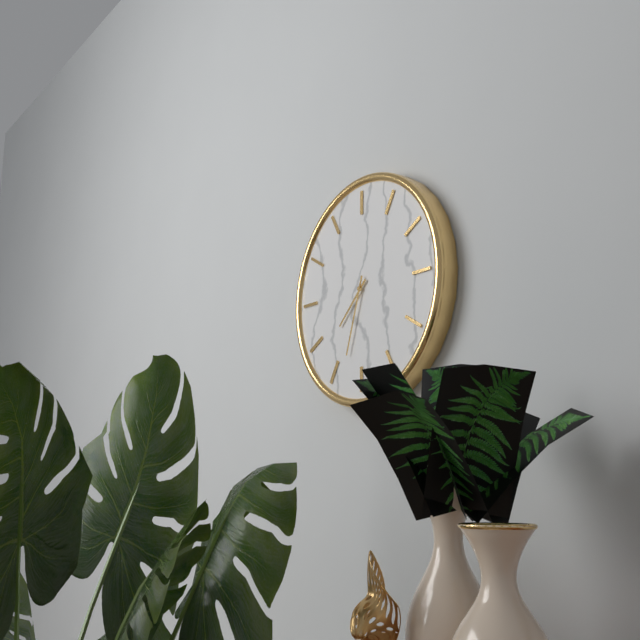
{"hour": 7, "minute": 33}
